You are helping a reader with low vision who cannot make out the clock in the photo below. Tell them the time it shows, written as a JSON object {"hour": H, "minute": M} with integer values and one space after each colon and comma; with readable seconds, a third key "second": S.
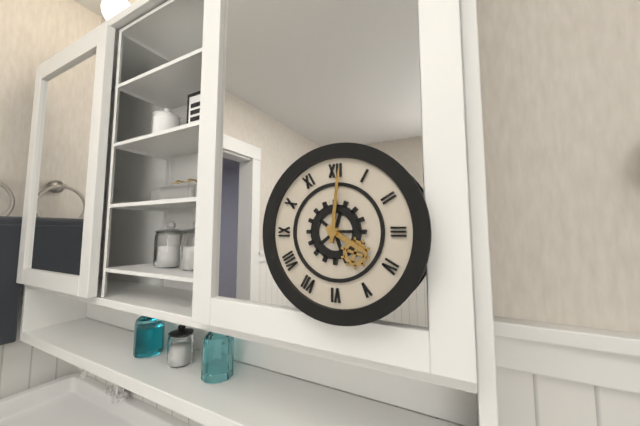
{"hour": 4, "minute": 1}
